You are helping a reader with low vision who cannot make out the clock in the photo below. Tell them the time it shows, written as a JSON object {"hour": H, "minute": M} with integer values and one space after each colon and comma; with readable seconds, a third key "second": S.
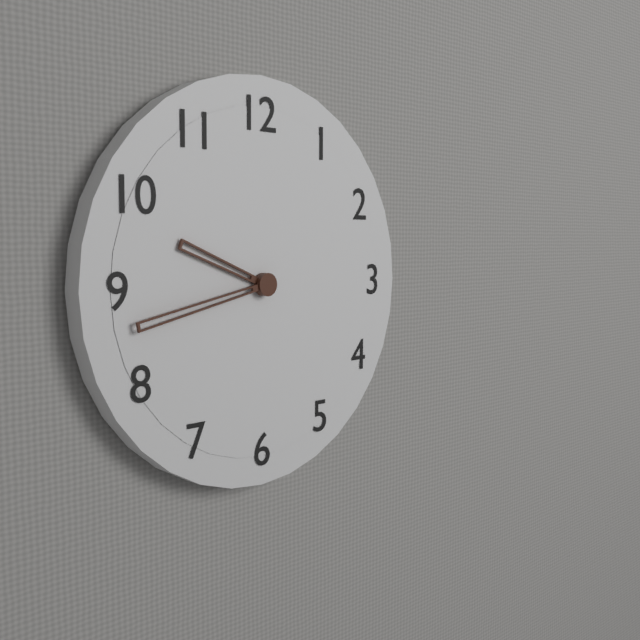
{"hour": 9, "minute": 43}
